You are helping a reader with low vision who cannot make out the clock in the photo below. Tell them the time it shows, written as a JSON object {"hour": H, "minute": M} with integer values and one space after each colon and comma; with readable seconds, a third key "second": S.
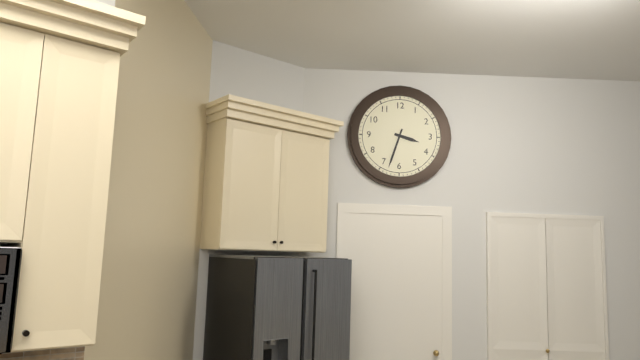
{"hour": 3, "minute": 33}
